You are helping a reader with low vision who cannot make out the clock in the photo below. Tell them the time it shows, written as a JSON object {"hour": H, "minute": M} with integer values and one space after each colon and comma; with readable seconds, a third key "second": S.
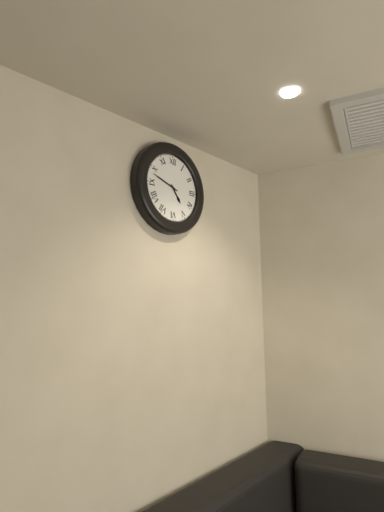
{"hour": 4, "minute": 48}
